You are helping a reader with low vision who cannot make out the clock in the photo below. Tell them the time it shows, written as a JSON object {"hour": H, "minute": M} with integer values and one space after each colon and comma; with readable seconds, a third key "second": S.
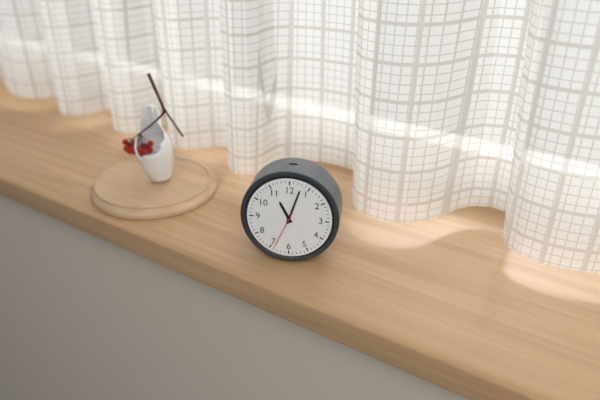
{"hour": 11, "minute": 3}
